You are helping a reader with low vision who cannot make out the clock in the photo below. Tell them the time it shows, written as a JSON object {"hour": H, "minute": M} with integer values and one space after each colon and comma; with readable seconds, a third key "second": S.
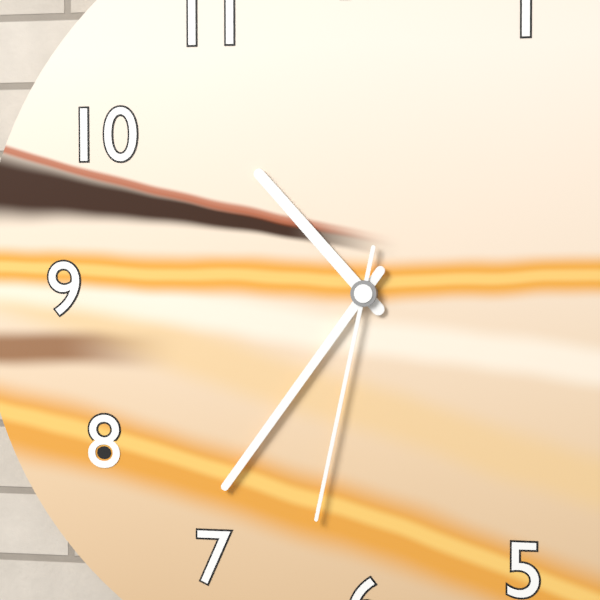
{"hour": 10, "minute": 36, "second": 32}
